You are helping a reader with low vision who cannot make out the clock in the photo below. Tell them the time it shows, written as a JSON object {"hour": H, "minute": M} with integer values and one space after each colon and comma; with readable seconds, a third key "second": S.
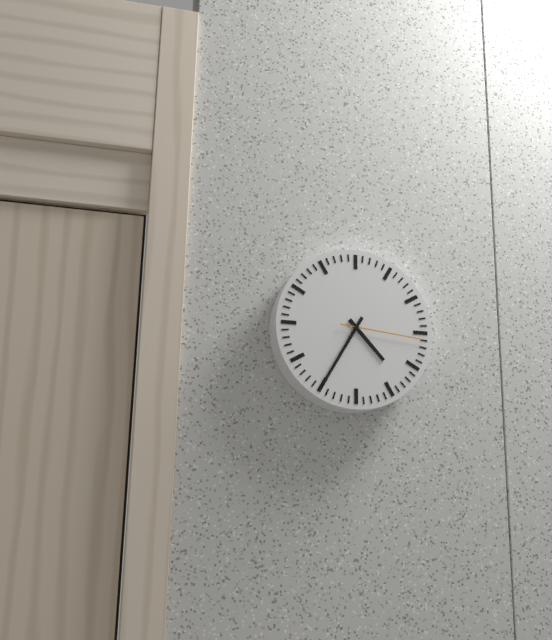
{"hour": 4, "minute": 35, "second": 16}
